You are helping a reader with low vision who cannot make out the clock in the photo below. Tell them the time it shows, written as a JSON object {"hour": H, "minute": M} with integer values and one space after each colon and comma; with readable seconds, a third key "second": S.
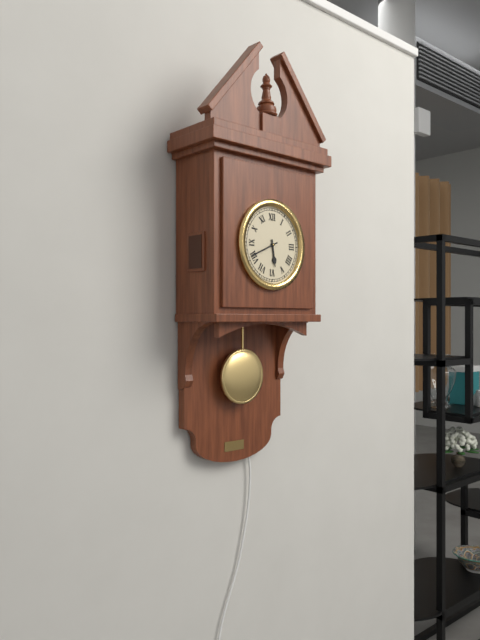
{"hour": 5, "minute": 41}
